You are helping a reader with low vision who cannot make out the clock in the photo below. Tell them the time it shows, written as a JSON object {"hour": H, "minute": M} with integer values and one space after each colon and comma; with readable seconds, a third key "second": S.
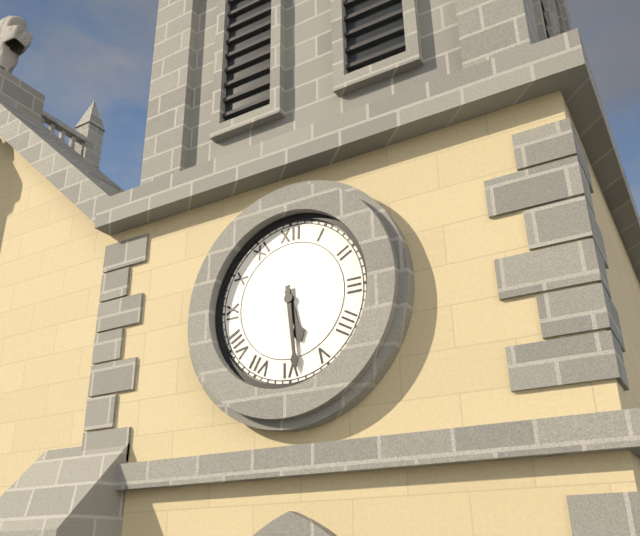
{"hour": 5, "minute": 29}
